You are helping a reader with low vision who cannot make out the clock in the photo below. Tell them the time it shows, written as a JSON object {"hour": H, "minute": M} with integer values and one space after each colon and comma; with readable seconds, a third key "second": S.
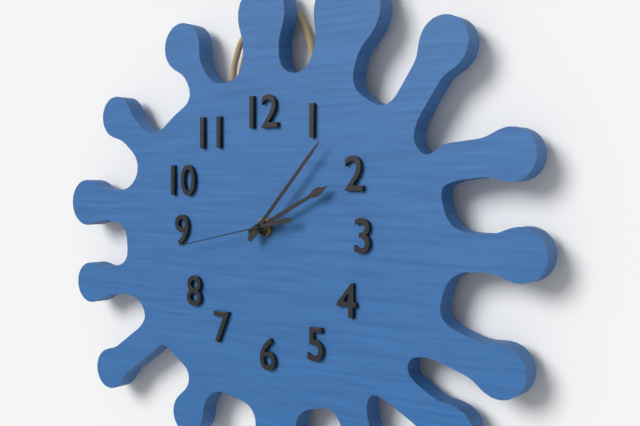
{"hour": 2, "minute": 7, "second": 43}
